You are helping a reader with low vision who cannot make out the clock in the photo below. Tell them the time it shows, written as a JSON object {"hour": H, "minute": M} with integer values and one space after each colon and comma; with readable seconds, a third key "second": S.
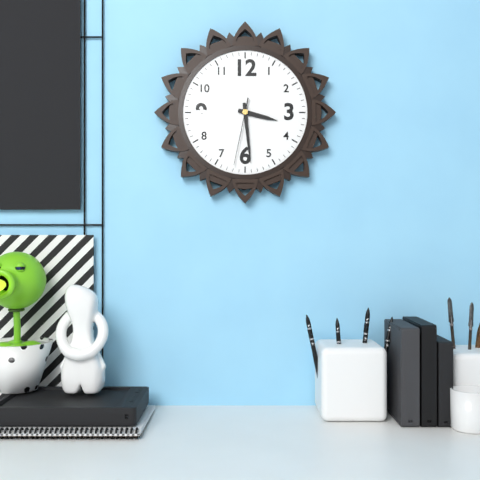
{"hour": 3, "minute": 29, "second": 32}
